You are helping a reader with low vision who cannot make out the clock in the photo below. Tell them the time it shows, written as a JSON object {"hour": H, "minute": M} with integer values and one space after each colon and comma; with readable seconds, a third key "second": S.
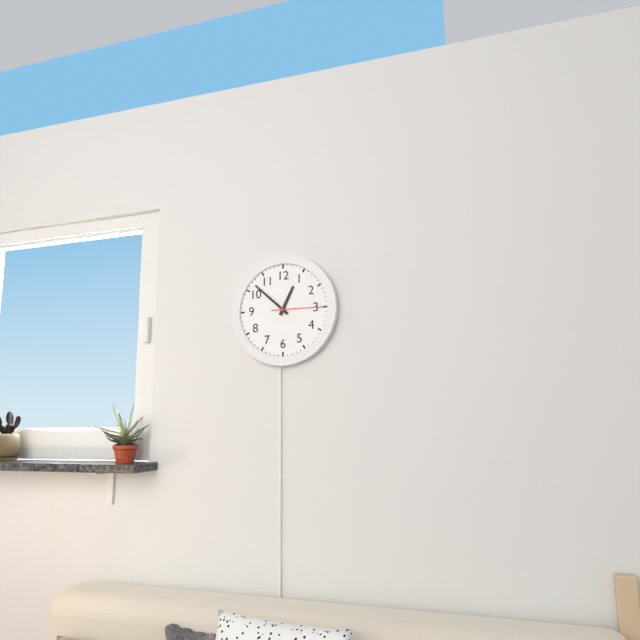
{"hour": 12, "minute": 52, "second": 15}
